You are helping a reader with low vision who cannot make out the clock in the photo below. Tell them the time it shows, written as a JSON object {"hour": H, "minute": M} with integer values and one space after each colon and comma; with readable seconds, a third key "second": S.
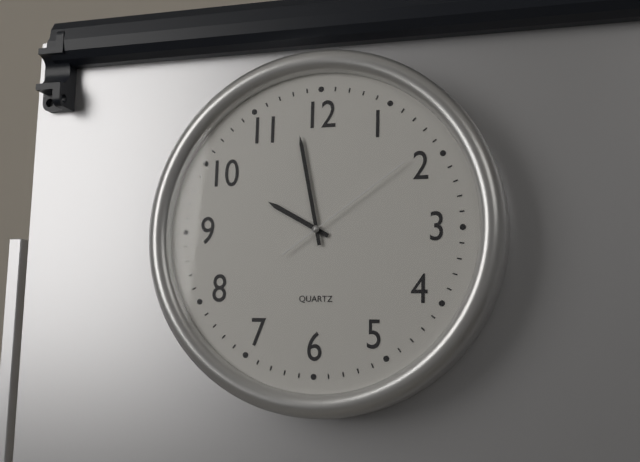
{"hour": 9, "minute": 58, "second": 9}
